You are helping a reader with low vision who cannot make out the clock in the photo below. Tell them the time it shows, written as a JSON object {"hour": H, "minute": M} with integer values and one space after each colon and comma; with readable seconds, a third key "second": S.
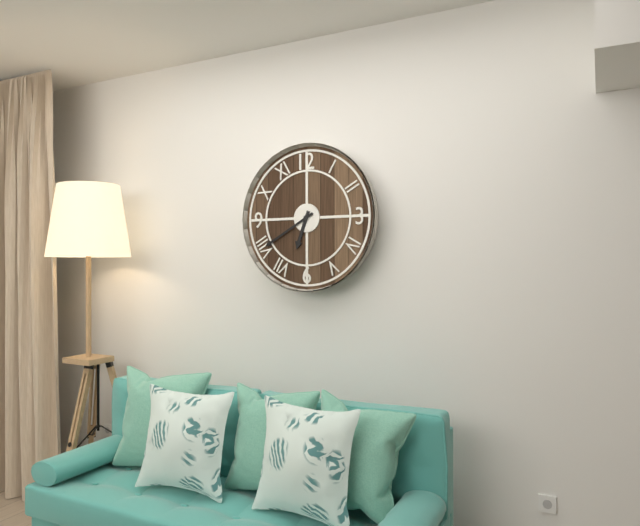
{"hour": 6, "minute": 40}
